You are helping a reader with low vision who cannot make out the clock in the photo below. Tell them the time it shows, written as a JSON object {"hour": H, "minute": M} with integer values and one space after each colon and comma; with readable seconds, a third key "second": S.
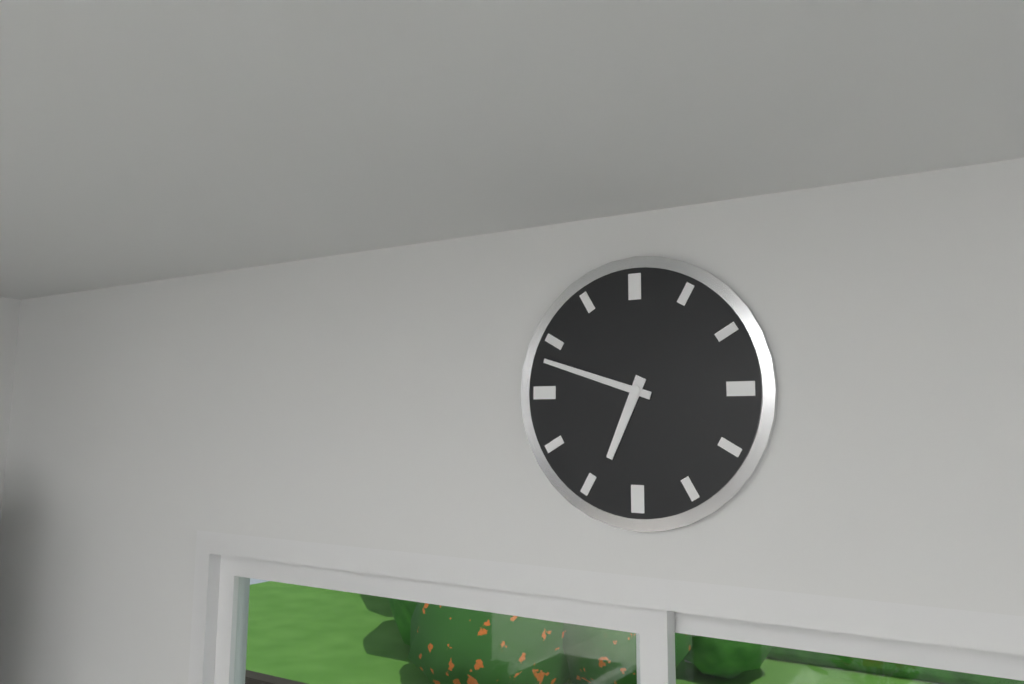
{"hour": 6, "minute": 48}
